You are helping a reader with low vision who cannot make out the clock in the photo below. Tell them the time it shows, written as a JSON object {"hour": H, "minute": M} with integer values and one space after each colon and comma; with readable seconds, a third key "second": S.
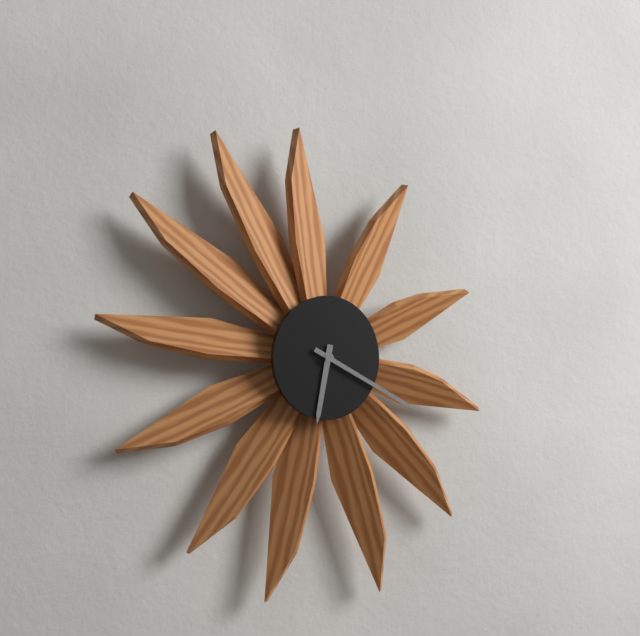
{"hour": 6, "minute": 20}
